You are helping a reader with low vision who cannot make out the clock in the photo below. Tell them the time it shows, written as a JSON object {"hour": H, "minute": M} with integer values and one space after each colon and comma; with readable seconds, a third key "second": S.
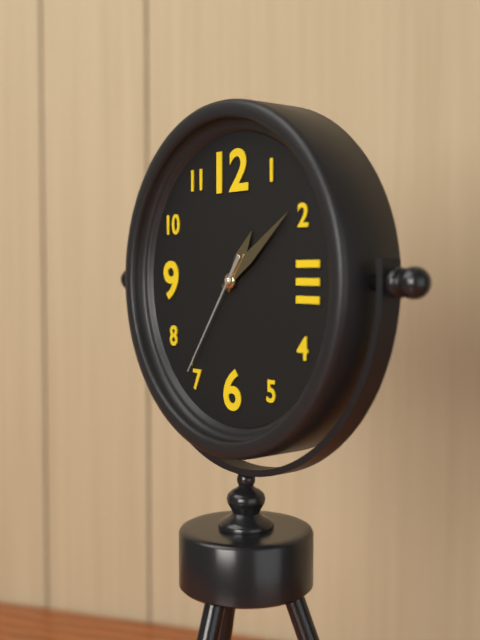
{"hour": 1, "minute": 9, "second": 36}
